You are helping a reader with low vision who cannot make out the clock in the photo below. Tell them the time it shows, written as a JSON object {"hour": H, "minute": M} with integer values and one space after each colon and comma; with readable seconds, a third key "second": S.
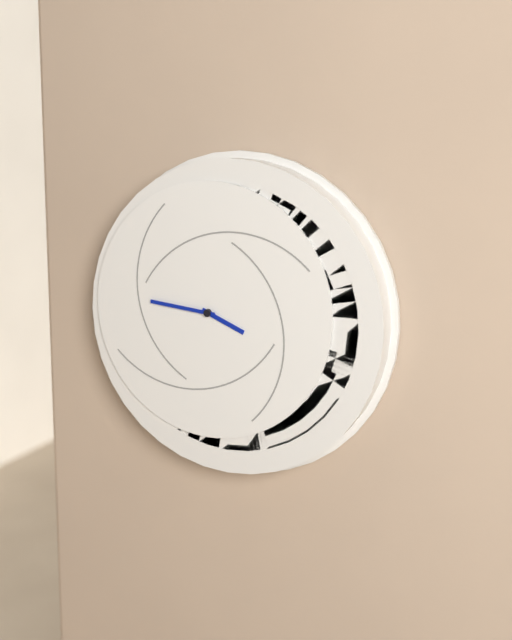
{"hour": 3, "minute": 46}
